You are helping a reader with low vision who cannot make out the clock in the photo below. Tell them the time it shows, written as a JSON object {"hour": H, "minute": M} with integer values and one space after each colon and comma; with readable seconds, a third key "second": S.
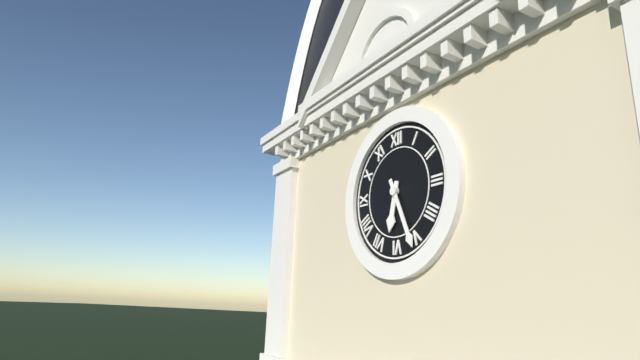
{"hour": 6, "minute": 26}
